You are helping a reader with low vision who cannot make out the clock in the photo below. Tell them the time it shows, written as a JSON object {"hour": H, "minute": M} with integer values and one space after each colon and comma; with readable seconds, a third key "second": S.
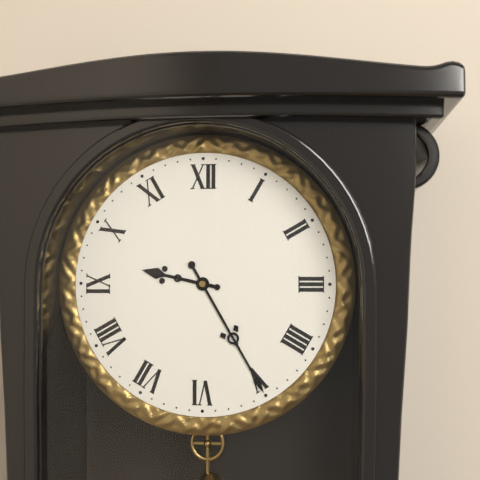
{"hour": 9, "minute": 25}
